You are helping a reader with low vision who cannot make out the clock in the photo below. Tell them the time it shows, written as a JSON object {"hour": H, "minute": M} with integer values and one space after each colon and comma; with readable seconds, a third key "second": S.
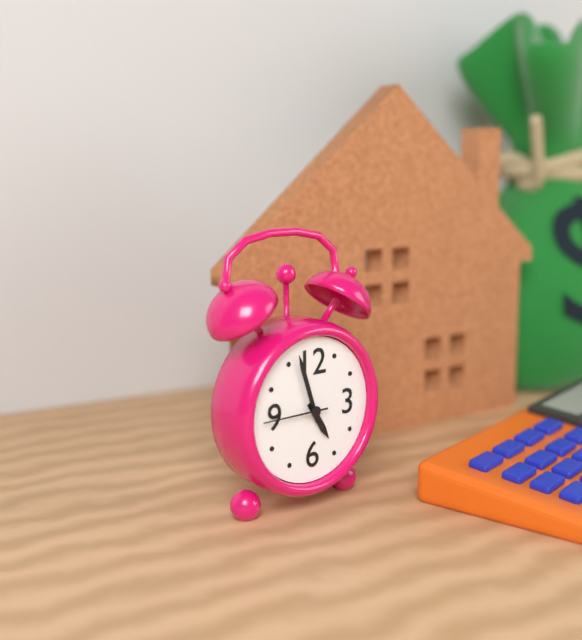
{"hour": 4, "minute": 57, "second": 45}
